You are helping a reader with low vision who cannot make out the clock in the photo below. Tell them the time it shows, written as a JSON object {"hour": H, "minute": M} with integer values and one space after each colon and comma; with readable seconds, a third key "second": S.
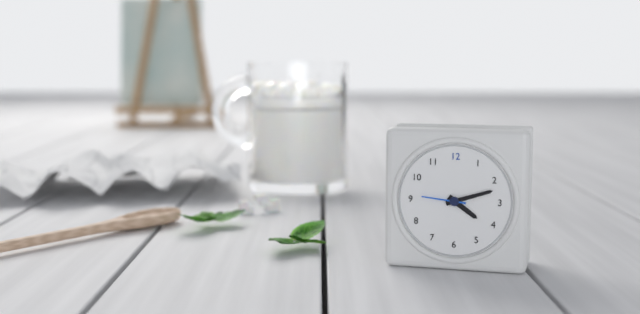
{"hour": 4, "minute": 12}
